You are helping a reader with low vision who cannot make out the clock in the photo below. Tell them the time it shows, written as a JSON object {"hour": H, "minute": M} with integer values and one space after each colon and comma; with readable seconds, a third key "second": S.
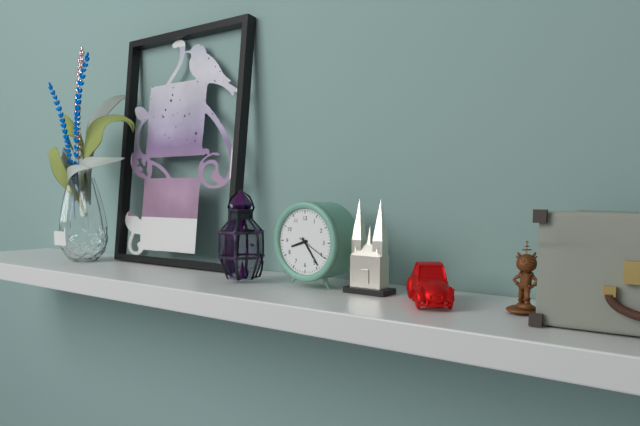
{"hour": 8, "minute": 24}
